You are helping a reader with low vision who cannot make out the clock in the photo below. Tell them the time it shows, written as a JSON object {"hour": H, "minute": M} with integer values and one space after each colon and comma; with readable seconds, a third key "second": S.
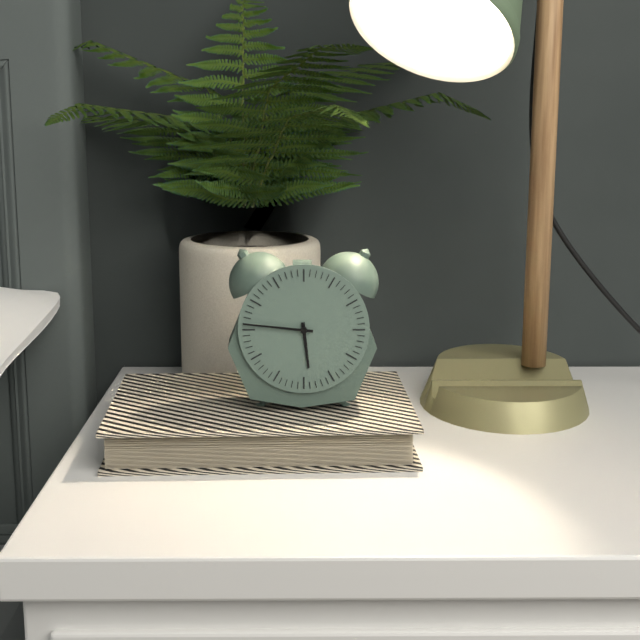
{"hour": 5, "minute": 46}
